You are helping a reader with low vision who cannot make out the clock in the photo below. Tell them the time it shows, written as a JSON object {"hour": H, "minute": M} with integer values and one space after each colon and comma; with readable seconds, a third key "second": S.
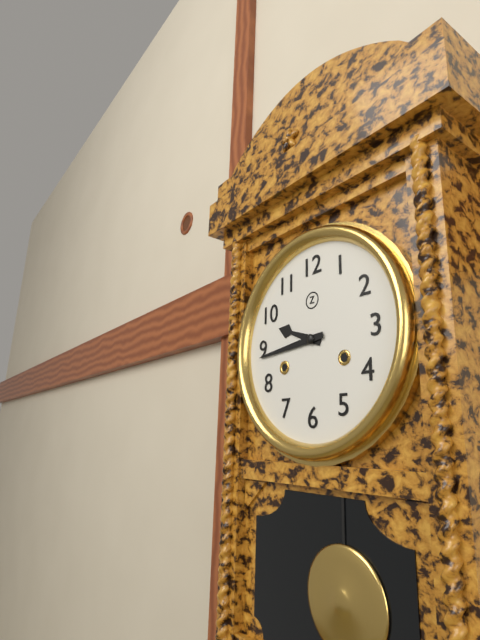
{"hour": 9, "minute": 44}
